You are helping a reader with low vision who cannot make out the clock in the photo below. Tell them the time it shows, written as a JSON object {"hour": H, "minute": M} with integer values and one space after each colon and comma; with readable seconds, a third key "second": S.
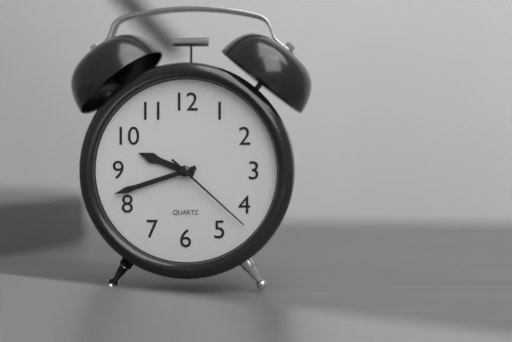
{"hour": 9, "minute": 42, "second": 22}
